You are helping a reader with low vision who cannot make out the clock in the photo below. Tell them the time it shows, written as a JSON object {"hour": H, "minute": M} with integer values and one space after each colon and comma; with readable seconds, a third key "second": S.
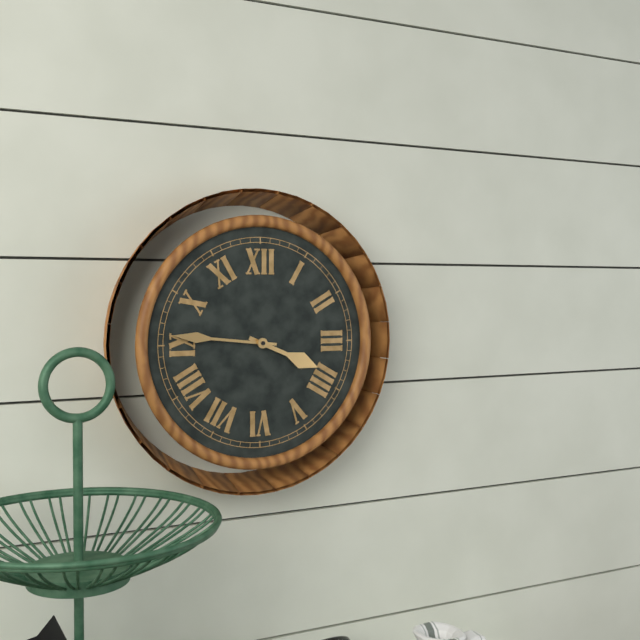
{"hour": 3, "minute": 46}
